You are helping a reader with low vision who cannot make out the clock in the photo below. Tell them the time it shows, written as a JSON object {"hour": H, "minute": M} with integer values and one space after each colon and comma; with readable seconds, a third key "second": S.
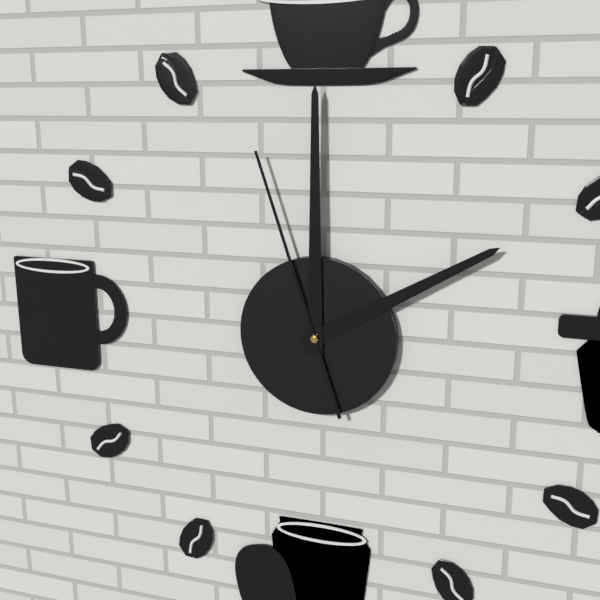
{"hour": 2, "minute": 0, "second": 57}
